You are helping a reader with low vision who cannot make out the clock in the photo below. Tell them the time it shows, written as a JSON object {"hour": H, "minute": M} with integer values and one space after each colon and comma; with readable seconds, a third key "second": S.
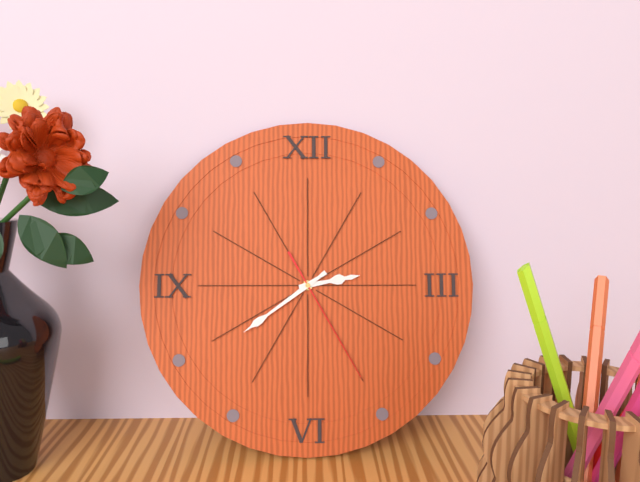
{"hour": 2, "minute": 39, "second": 25}
